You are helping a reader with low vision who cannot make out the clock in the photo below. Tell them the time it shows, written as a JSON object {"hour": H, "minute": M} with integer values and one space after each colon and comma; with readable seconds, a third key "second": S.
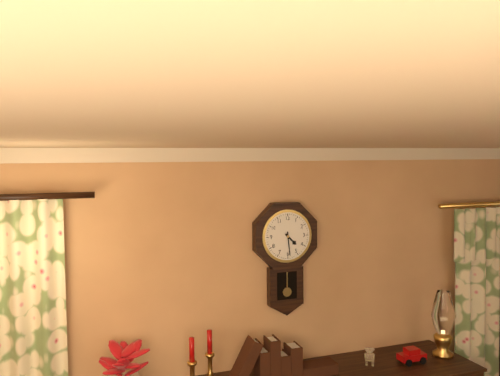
{"hour": 4, "minute": 29}
